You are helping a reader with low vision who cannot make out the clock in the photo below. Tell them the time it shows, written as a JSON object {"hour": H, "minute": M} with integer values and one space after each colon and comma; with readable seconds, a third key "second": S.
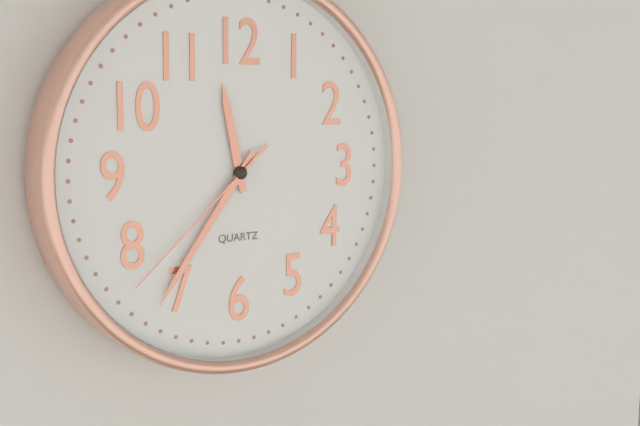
{"hour": 11, "minute": 36, "second": 38}
